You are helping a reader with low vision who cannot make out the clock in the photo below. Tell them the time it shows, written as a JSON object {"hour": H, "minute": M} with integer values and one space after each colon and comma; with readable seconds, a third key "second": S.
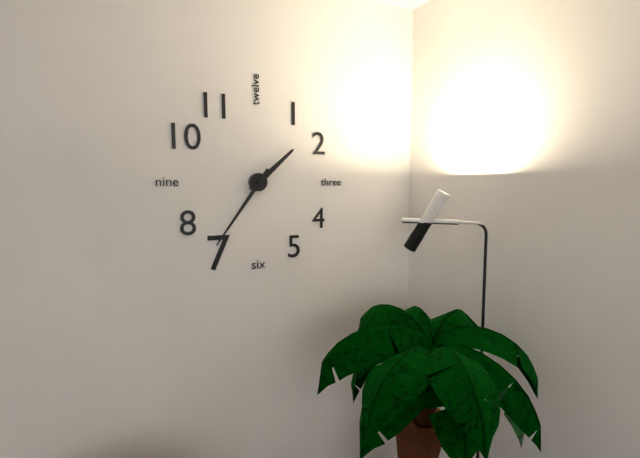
{"hour": 1, "minute": 36}
